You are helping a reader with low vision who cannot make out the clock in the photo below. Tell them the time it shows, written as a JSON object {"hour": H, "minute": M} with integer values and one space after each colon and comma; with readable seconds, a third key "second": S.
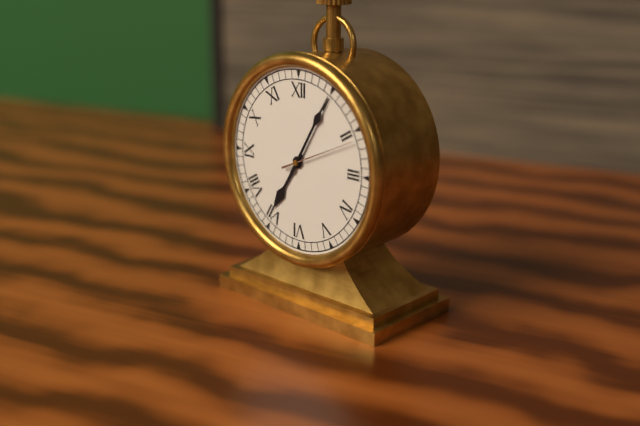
{"hour": 7, "minute": 5, "second": 11}
